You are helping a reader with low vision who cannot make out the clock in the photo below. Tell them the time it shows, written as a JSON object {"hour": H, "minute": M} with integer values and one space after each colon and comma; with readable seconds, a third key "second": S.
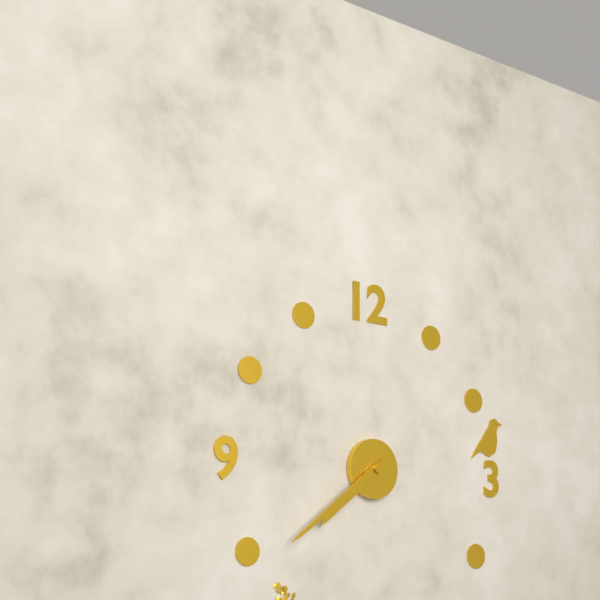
{"hour": 7, "minute": 39}
